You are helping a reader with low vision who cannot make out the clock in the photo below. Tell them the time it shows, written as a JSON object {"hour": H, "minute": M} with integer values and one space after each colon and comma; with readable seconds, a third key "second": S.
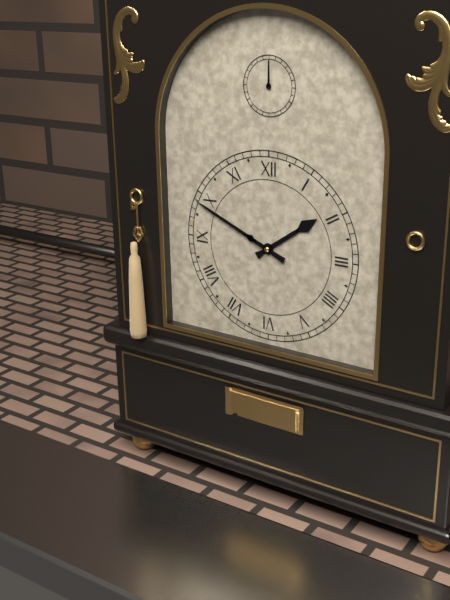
{"hour": 1, "minute": 49}
